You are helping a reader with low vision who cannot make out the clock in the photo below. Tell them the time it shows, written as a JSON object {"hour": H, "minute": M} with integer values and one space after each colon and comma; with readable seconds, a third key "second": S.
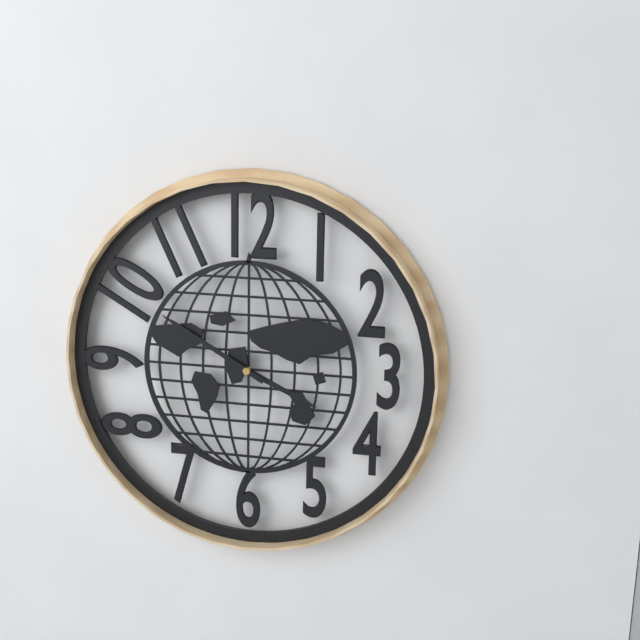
{"hour": 3, "minute": 50}
